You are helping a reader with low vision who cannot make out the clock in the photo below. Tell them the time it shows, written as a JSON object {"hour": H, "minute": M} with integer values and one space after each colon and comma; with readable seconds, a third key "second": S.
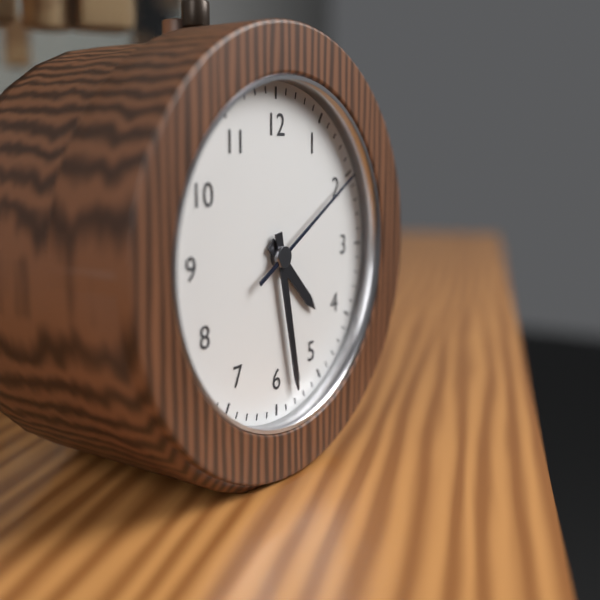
{"hour": 4, "minute": 28, "second": 10}
